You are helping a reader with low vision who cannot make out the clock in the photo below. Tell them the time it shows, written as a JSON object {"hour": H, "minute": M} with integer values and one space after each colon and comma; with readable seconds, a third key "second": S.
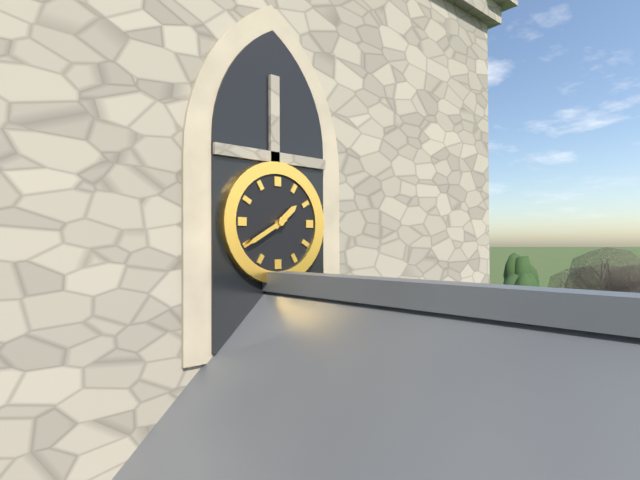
{"hour": 1, "minute": 40}
